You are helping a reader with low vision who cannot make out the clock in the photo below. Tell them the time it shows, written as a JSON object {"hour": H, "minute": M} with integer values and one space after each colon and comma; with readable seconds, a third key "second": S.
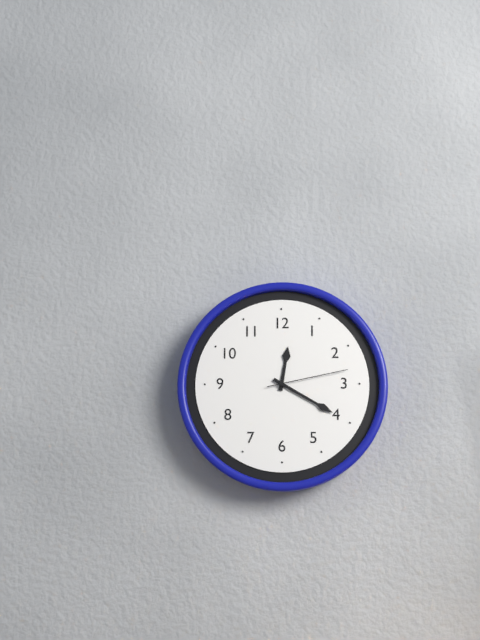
{"hour": 12, "minute": 20, "second": 13}
